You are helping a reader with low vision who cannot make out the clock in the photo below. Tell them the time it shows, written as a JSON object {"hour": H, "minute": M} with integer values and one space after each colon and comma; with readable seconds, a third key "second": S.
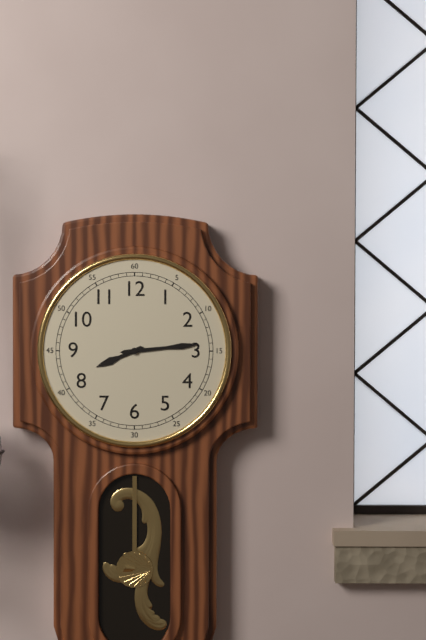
{"hour": 8, "minute": 14}
